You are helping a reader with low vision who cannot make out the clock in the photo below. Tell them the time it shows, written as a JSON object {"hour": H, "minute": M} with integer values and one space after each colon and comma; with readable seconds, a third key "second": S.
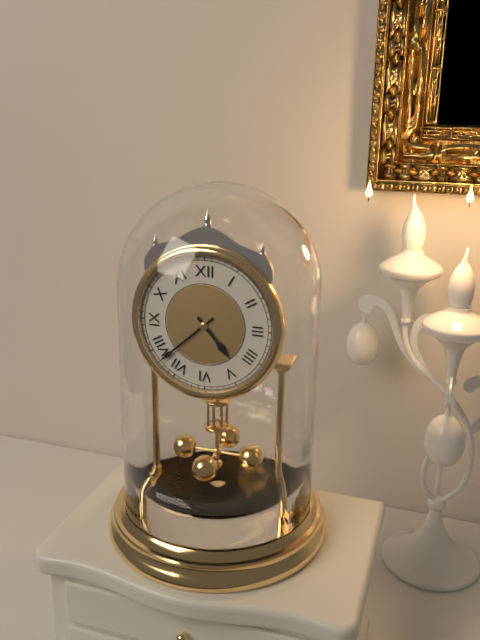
{"hour": 4, "minute": 38}
